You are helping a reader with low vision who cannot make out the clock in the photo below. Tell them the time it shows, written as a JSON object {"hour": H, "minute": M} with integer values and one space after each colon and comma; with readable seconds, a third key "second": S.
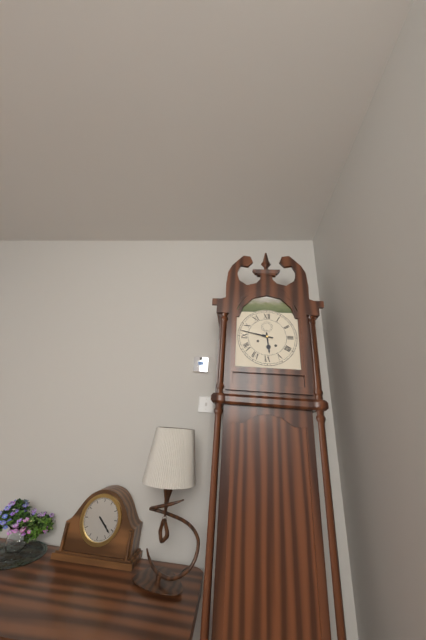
{"hour": 5, "minute": 47}
